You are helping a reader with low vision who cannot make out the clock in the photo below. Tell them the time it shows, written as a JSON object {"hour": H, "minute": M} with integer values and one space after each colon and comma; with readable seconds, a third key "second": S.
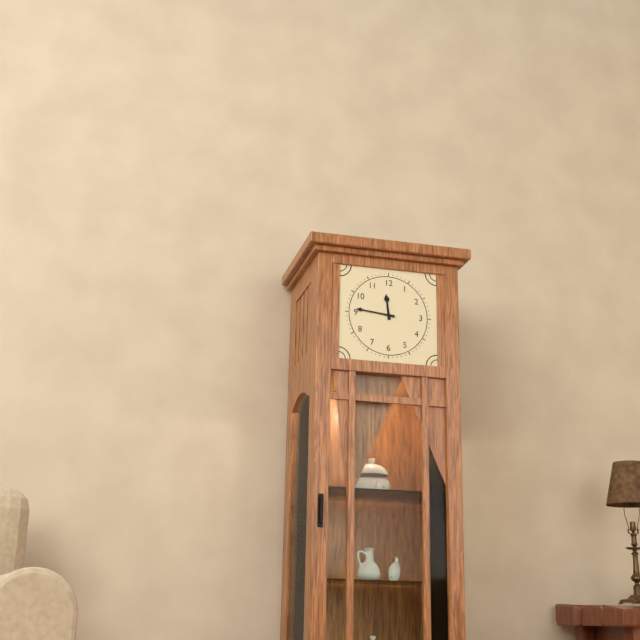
{"hour": 11, "minute": 46}
